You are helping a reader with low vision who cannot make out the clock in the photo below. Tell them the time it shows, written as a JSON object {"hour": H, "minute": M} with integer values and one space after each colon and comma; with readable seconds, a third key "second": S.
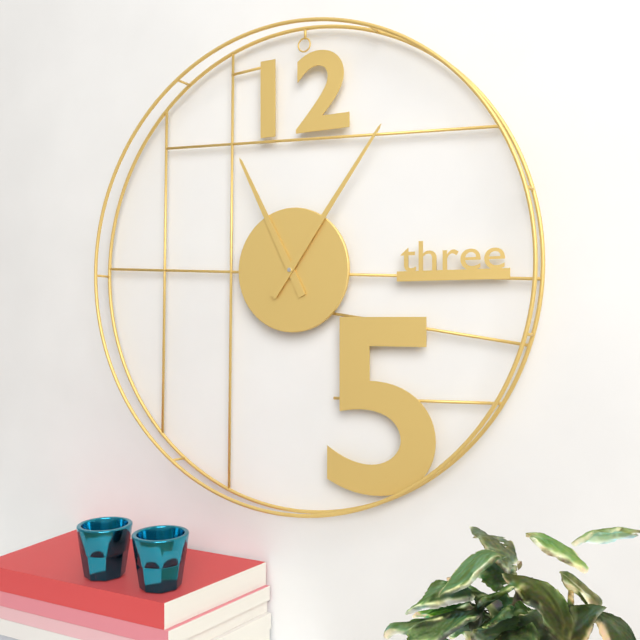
{"hour": 11, "minute": 6}
